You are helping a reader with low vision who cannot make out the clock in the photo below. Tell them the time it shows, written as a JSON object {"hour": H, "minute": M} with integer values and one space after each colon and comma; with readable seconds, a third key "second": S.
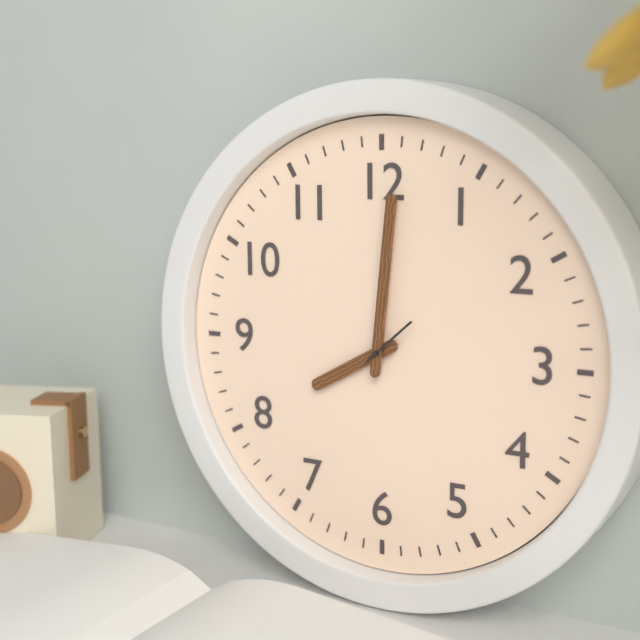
{"hour": 8, "minute": 1, "second": 8}
